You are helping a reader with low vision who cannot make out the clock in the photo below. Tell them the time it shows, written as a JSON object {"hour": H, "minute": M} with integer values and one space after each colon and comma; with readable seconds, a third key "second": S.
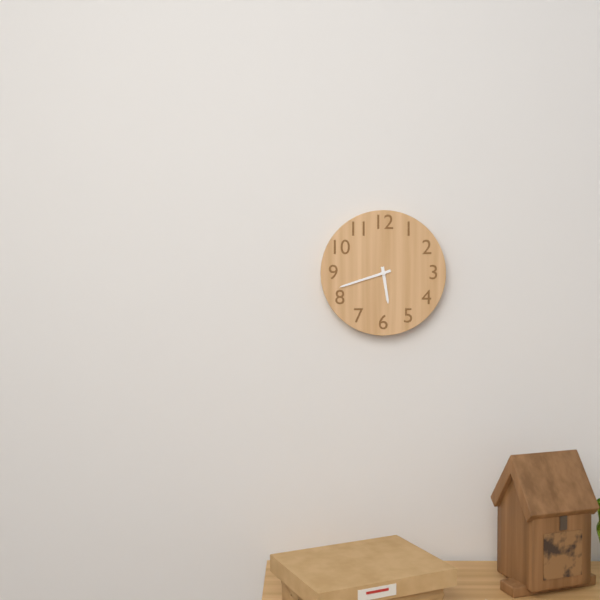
{"hour": 5, "minute": 42}
